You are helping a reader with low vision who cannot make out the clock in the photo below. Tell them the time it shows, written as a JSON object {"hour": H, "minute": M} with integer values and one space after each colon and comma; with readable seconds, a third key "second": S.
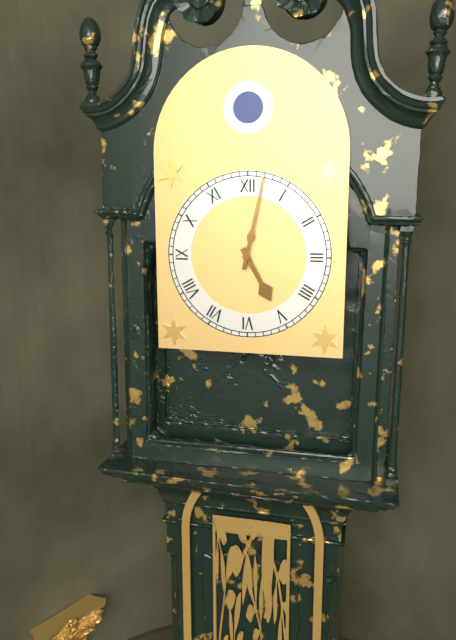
{"hour": 5, "minute": 2}
